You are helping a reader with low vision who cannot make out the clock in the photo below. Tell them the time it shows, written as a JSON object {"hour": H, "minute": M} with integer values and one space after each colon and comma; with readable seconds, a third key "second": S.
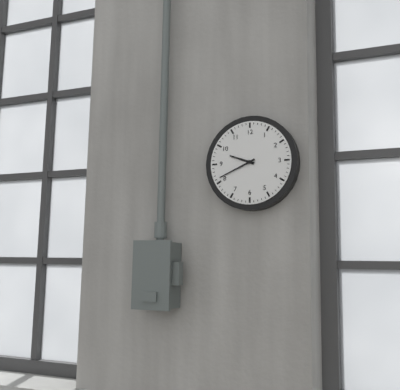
{"hour": 9, "minute": 41}
